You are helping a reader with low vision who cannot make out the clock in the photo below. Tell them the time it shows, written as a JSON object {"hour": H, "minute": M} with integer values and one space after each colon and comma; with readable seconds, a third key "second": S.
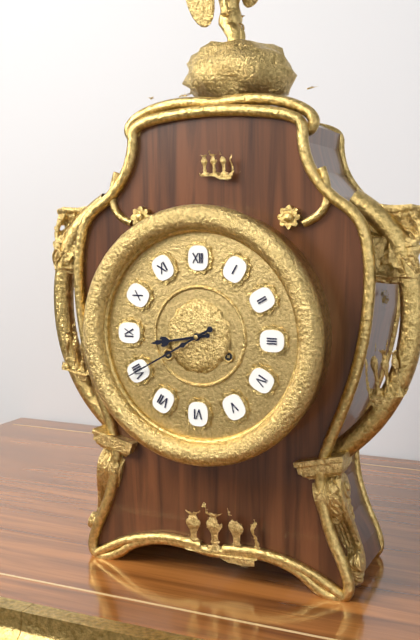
{"hour": 8, "minute": 40}
